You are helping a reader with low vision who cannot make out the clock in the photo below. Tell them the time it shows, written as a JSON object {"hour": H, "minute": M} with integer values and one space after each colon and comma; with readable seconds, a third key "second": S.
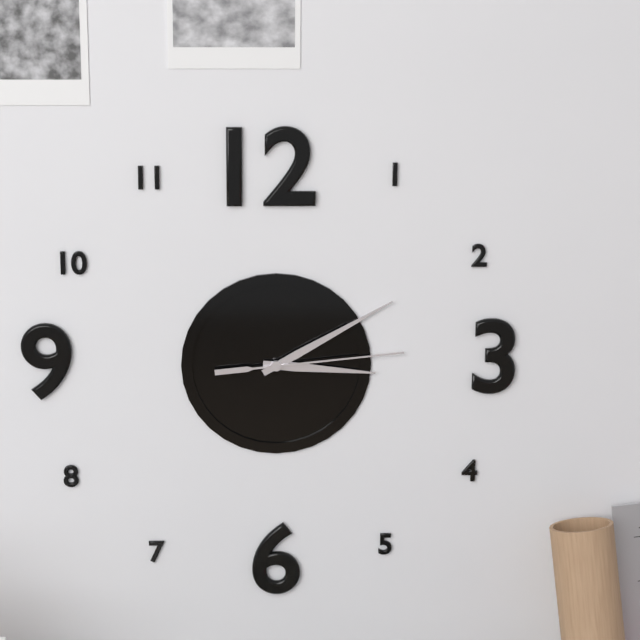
{"hour": 3, "minute": 10, "second": 14}
